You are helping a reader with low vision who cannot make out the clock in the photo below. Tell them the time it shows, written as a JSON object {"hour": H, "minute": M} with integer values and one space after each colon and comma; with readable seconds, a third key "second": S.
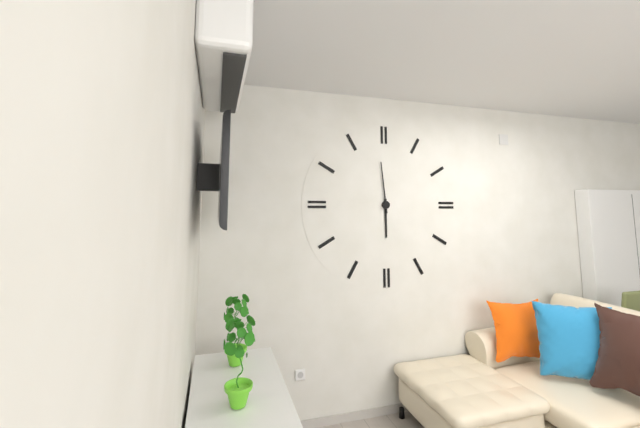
{"hour": 5, "minute": 59}
